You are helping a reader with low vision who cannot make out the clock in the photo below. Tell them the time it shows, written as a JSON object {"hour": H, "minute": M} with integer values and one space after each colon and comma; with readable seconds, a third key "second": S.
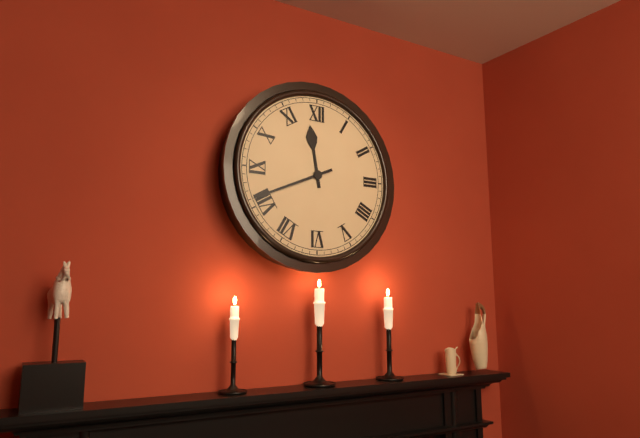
{"hour": 11, "minute": 41}
